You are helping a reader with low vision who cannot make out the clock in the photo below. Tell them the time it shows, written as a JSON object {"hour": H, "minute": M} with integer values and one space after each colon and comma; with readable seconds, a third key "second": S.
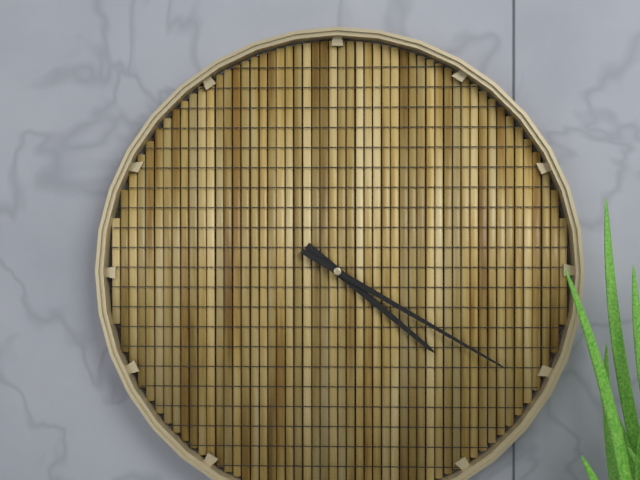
{"hour": 4, "minute": 20}
